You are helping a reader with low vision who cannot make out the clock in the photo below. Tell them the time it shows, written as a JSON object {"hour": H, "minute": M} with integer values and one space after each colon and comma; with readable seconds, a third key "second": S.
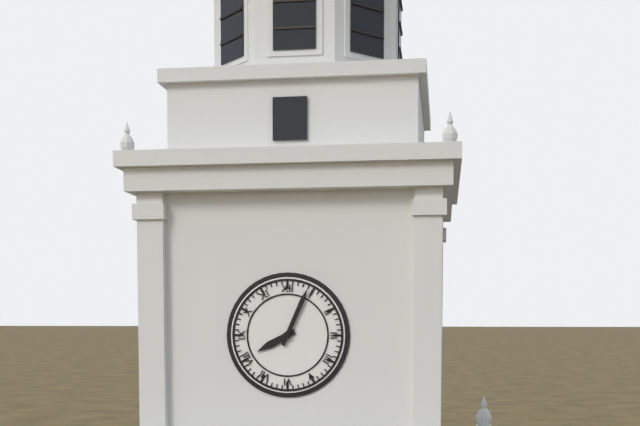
{"hour": 8, "minute": 4}
